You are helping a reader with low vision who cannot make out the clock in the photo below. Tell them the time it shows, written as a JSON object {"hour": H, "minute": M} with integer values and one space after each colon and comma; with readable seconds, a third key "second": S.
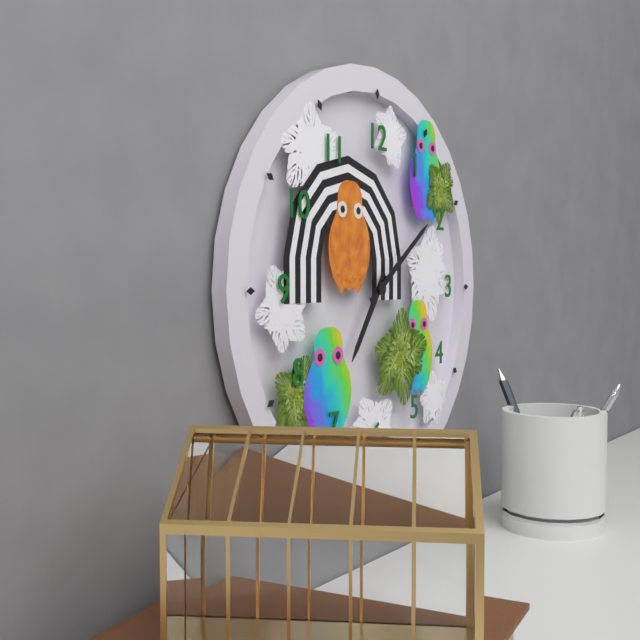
{"hour": 7, "minute": 9}
